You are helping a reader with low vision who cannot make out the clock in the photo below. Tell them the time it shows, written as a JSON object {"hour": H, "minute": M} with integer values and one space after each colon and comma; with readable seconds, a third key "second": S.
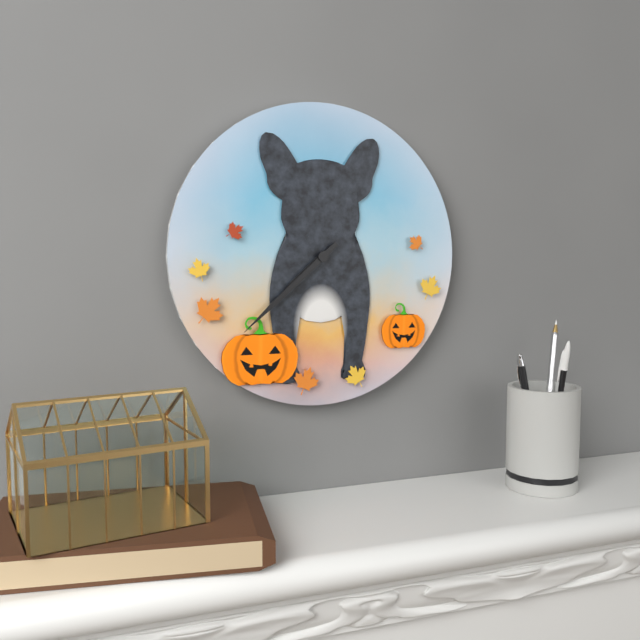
{"hour": 7, "minute": 38}
